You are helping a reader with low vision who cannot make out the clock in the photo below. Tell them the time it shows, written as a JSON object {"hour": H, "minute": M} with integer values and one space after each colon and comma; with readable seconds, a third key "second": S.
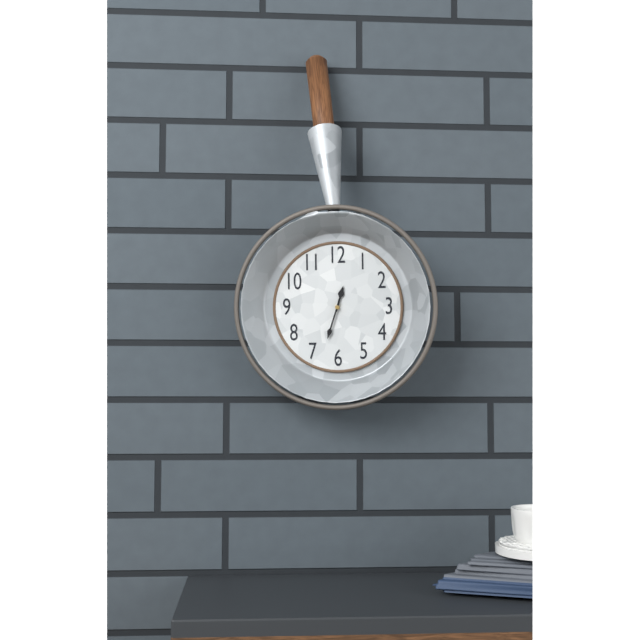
{"hour": 12, "minute": 33}
